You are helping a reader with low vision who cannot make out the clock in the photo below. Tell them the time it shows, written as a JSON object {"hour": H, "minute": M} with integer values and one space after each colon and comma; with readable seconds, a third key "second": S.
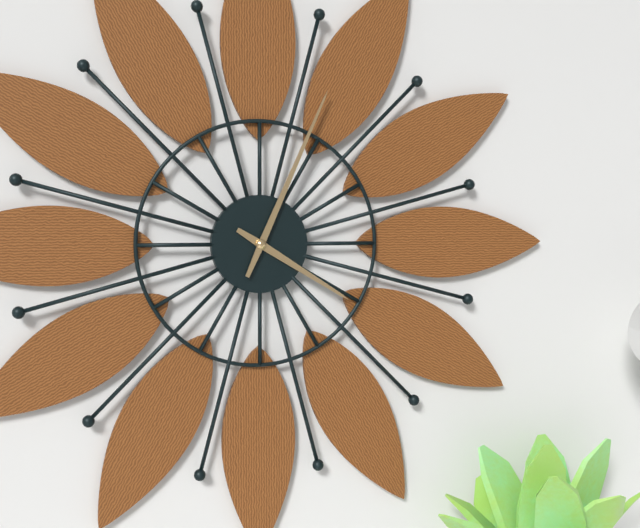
{"hour": 4, "minute": 4}
